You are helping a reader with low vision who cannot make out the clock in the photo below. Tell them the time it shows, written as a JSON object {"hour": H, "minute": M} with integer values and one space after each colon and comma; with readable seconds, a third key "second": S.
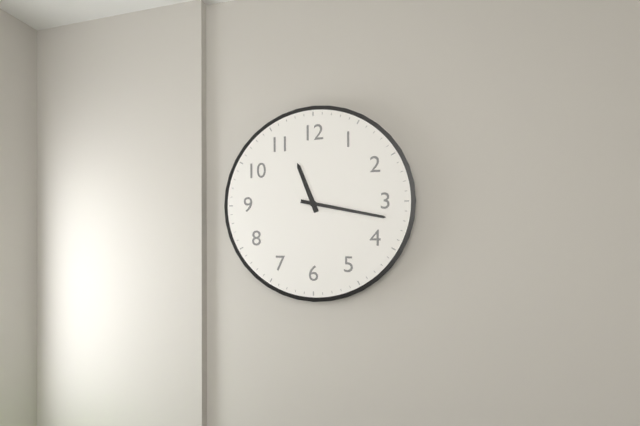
{"hour": 11, "minute": 17}
